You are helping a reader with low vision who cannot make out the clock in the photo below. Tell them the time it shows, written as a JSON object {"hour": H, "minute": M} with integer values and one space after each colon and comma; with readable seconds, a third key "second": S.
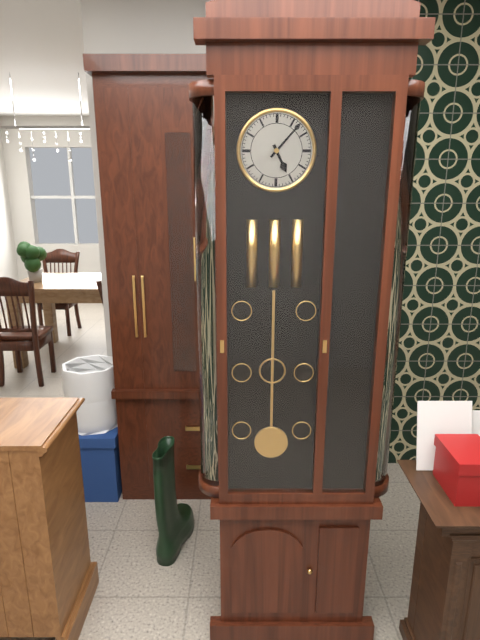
{"hour": 5, "minute": 7}
